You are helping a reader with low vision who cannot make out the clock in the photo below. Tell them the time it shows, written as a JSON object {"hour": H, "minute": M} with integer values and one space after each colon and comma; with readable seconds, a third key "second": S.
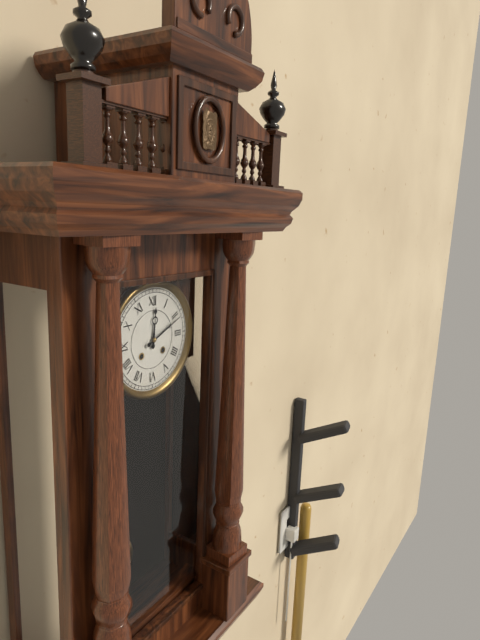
{"hour": 12, "minute": 11}
